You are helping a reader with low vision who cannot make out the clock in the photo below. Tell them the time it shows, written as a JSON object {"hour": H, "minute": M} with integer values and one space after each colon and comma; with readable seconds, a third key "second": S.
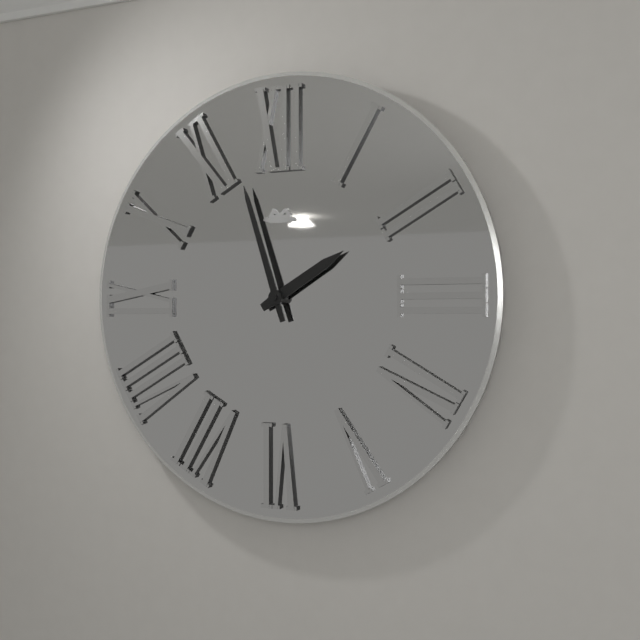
{"hour": 1, "minute": 57}
